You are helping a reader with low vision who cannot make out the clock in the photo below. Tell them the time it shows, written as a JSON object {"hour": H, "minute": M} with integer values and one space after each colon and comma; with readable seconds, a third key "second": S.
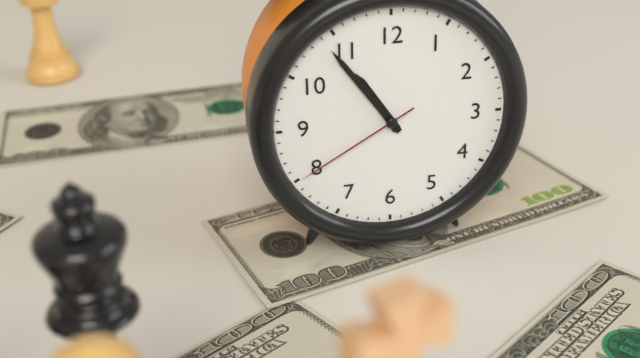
{"hour": 10, "minute": 54, "second": 40}
